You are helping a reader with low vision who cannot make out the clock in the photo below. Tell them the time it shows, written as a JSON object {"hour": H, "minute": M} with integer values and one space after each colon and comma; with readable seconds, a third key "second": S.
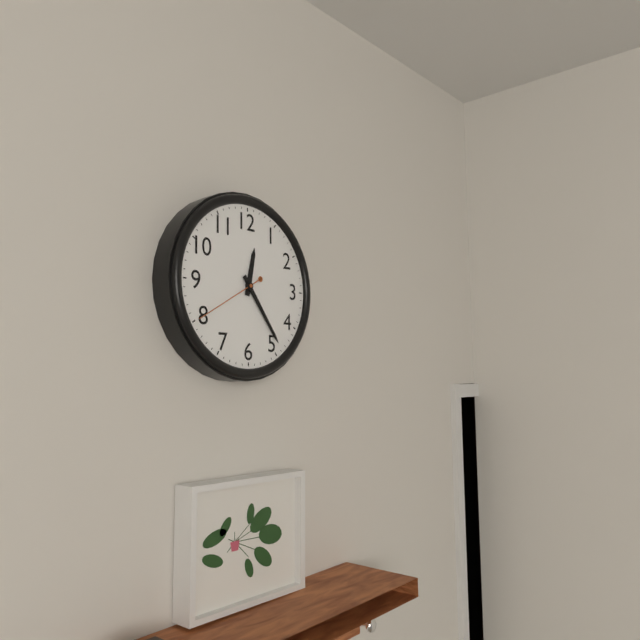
{"hour": 12, "minute": 24, "second": 40}
